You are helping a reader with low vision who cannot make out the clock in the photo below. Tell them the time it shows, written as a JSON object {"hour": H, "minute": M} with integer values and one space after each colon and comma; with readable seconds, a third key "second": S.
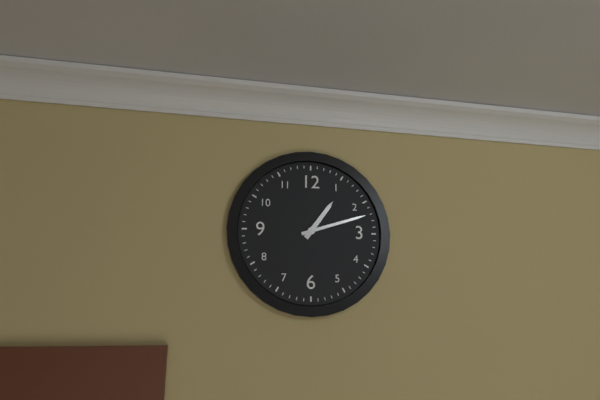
{"hour": 1, "minute": 12}
